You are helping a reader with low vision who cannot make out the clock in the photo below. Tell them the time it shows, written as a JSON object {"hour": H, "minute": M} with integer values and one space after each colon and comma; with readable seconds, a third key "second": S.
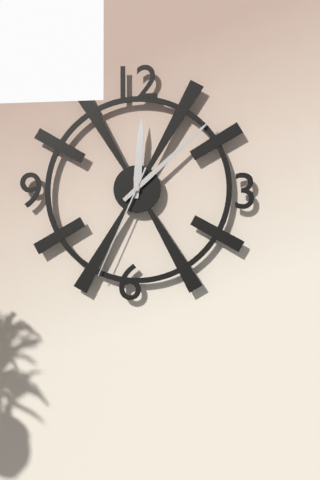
{"hour": 12, "minute": 8, "second": 34}
